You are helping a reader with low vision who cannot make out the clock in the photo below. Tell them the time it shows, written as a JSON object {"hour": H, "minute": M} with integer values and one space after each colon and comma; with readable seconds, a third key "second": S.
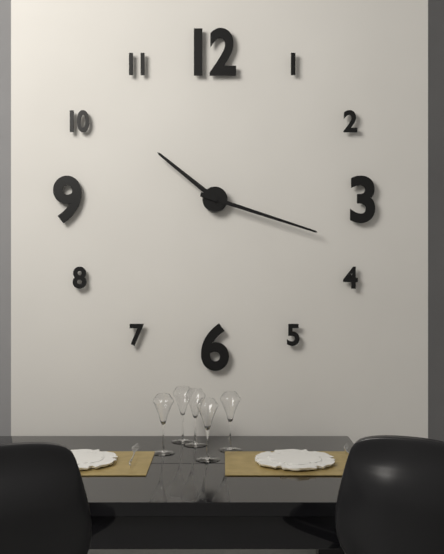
{"hour": 10, "minute": 18}
